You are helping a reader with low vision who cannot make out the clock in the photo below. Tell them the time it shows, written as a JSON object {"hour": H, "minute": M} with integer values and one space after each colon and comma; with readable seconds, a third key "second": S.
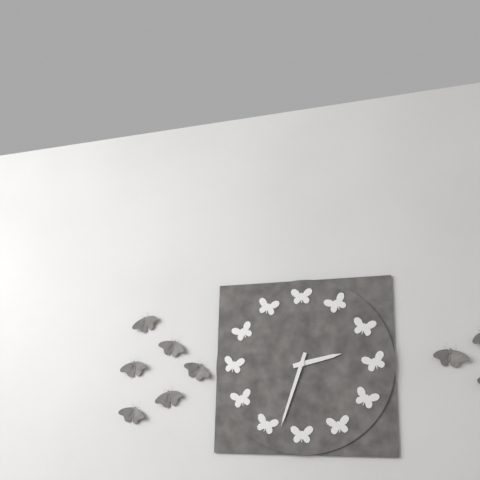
{"hour": 2, "minute": 33}
